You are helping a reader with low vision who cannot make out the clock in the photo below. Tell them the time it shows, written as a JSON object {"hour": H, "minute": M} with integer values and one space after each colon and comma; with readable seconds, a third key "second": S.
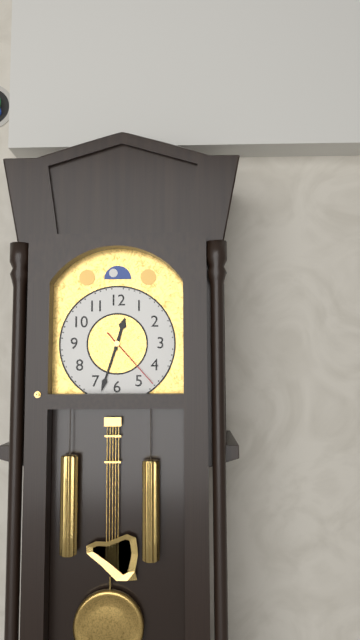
{"hour": 12, "minute": 33, "second": 23}
